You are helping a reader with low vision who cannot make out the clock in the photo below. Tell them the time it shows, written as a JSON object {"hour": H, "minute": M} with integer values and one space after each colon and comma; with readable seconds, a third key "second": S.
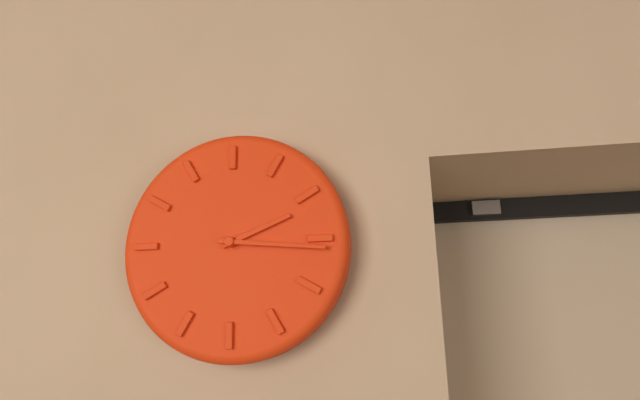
{"hour": 2, "minute": 16}
